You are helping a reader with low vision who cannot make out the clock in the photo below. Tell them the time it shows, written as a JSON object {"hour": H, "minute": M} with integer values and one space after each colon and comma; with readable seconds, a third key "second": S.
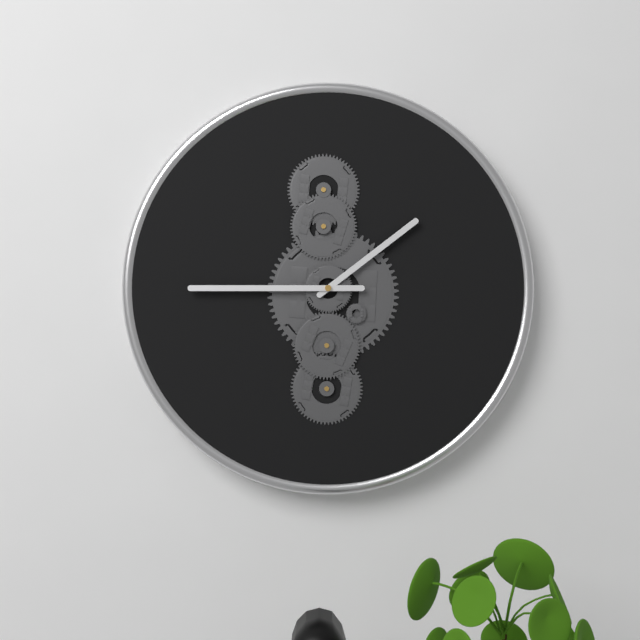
{"hour": 1, "minute": 45}
